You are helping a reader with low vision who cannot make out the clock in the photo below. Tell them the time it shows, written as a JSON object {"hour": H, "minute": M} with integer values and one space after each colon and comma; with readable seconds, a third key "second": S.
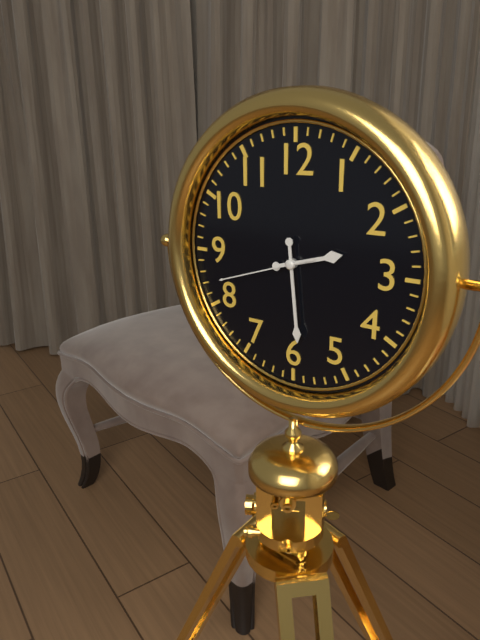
{"hour": 2, "minute": 29, "second": 42}
